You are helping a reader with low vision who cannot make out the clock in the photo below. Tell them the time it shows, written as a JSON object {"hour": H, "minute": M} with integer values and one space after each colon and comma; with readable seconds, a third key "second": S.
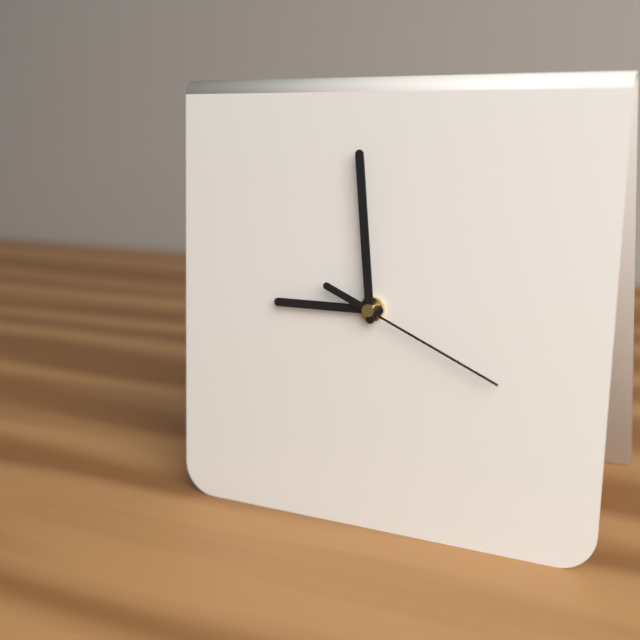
{"hour": 8, "minute": 59, "second": 19}
